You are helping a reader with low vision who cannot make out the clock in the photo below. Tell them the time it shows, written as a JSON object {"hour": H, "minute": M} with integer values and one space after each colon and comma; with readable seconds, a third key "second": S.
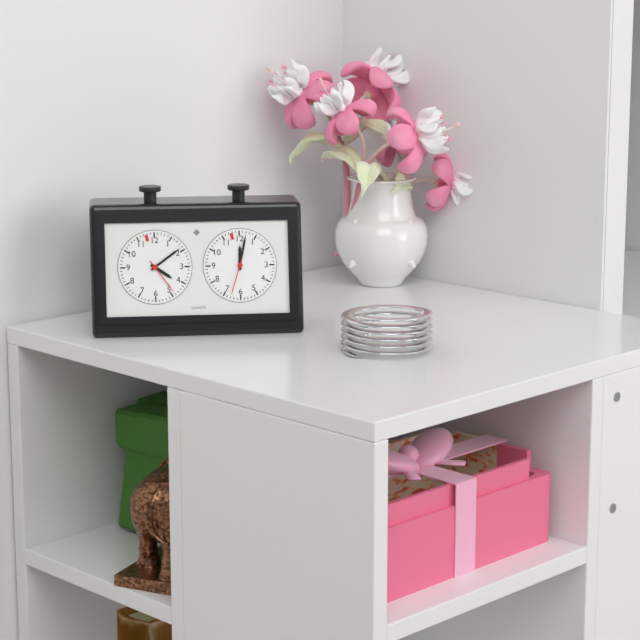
{"hour": 4, "minute": 9}
